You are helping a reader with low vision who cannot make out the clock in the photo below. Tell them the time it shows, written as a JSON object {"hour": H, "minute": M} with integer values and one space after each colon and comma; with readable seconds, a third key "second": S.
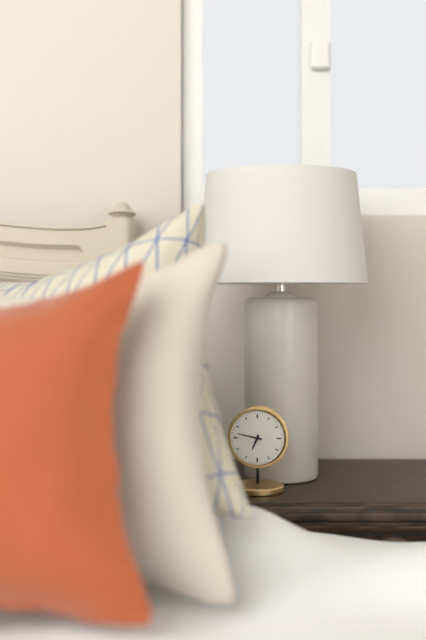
{"hour": 6, "minute": 47}
